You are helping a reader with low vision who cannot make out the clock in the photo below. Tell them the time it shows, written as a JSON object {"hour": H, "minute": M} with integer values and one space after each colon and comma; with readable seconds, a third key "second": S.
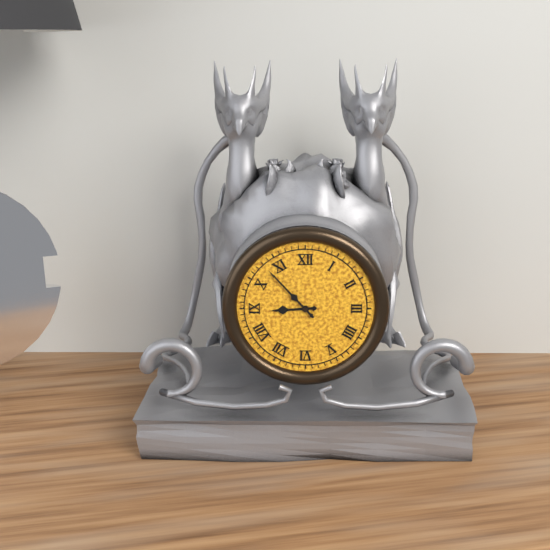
{"hour": 8, "minute": 53}
